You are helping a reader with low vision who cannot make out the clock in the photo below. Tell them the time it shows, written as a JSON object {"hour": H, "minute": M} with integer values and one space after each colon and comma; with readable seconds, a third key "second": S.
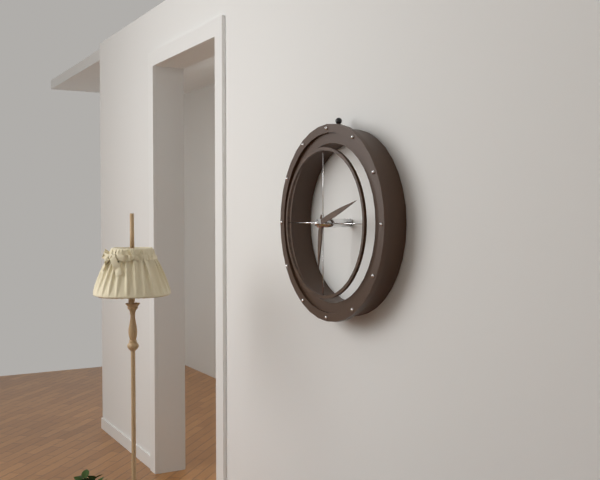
{"hour": 6, "minute": 12}
